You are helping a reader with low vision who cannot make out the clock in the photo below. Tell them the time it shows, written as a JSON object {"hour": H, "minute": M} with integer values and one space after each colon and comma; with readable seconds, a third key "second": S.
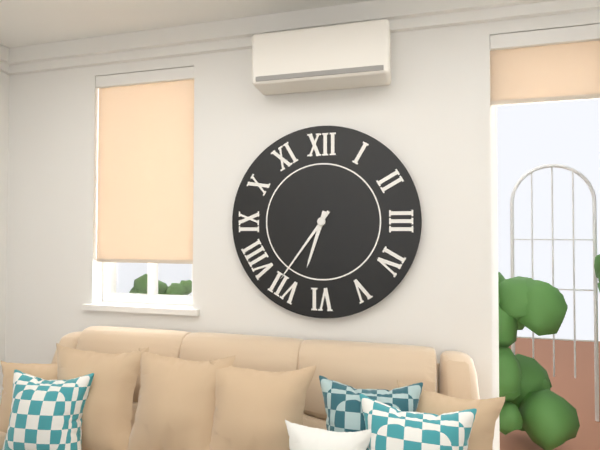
{"hour": 6, "minute": 36}
